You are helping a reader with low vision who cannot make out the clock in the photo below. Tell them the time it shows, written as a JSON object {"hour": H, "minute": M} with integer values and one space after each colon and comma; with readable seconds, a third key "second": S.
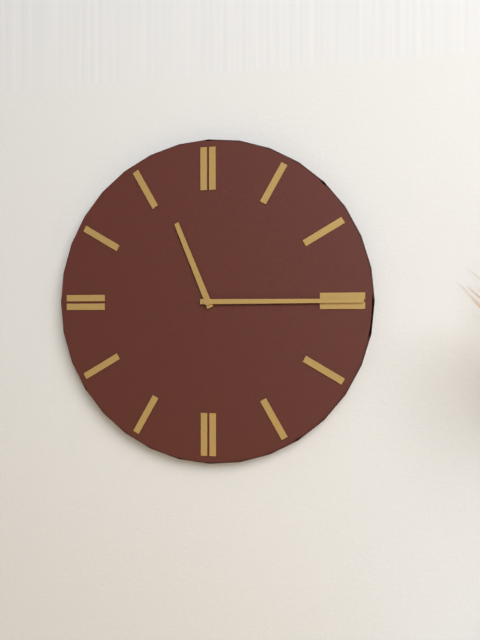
{"hour": 11, "minute": 15}
